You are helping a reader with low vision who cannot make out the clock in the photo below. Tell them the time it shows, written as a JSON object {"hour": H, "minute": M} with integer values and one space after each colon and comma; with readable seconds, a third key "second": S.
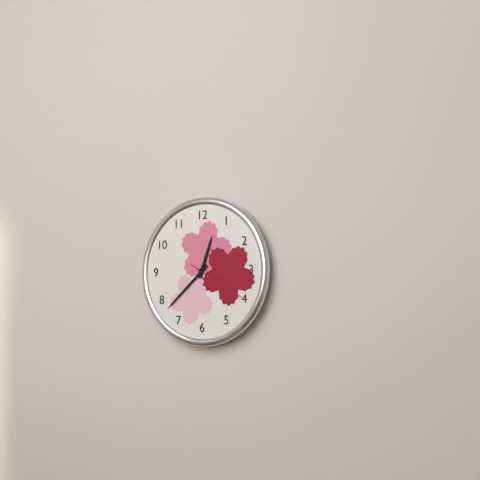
{"hour": 12, "minute": 38, "second": 20}
